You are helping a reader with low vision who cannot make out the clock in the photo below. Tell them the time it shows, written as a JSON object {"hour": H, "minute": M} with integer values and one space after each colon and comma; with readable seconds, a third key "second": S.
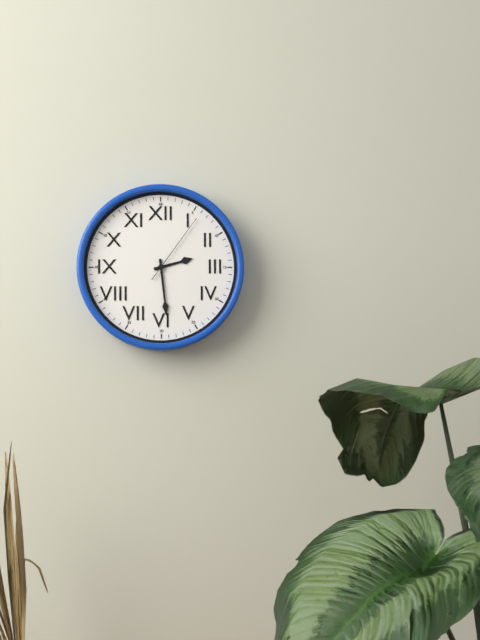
{"hour": 2, "minute": 29, "second": 6}
